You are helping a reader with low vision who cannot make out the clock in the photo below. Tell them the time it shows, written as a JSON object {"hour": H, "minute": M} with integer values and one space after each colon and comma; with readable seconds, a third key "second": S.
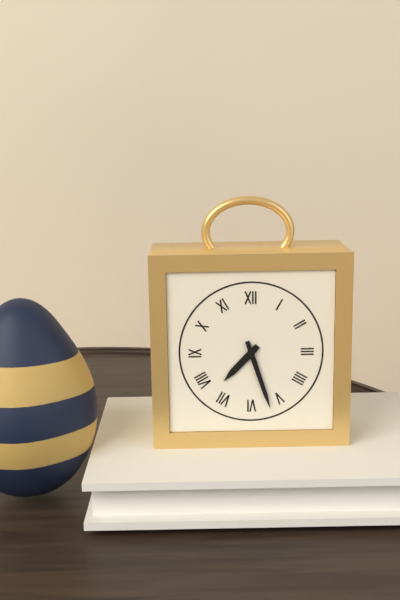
{"hour": 7, "minute": 27}
